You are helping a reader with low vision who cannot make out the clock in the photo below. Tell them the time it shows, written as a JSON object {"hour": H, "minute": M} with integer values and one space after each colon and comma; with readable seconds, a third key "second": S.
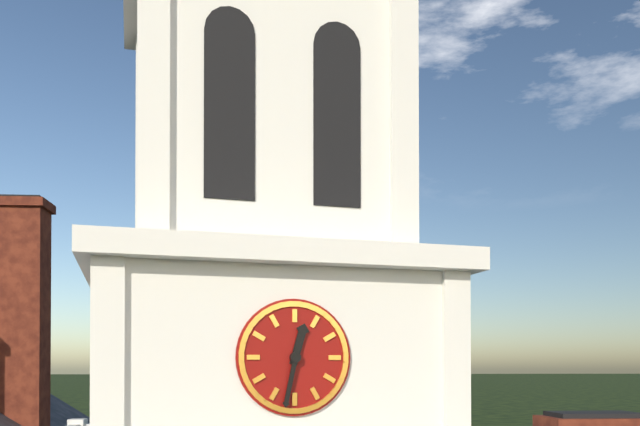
{"hour": 12, "minute": 32}
